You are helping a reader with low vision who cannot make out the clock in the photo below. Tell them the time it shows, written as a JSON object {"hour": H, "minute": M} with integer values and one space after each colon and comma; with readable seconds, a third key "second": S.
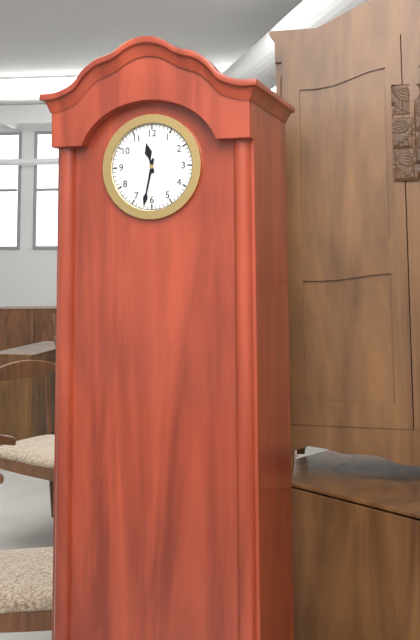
{"hour": 11, "minute": 32}
